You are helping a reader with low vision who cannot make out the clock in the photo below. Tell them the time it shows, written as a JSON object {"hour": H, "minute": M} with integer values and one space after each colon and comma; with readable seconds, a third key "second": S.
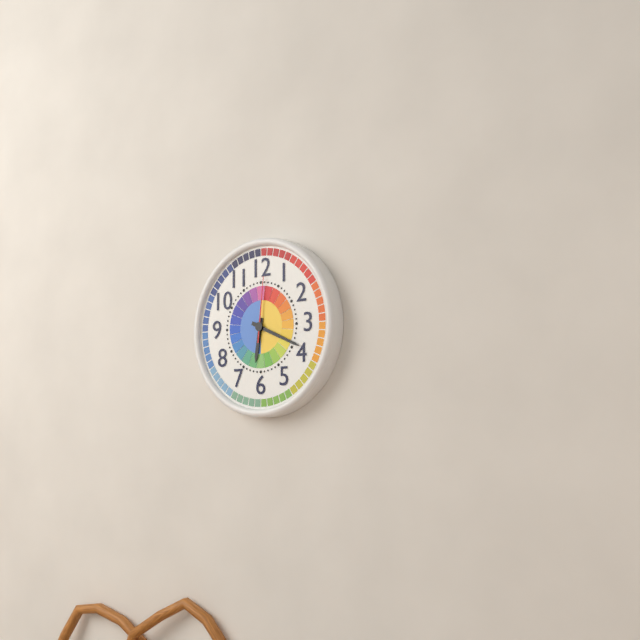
{"hour": 6, "minute": 19, "second": 1}
